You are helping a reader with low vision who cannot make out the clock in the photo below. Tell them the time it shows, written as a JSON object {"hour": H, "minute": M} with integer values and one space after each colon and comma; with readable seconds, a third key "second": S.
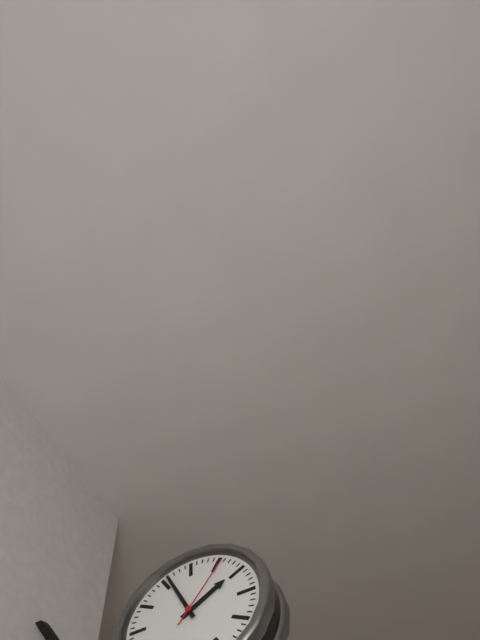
{"hour": 1, "minute": 56, "second": 6}
